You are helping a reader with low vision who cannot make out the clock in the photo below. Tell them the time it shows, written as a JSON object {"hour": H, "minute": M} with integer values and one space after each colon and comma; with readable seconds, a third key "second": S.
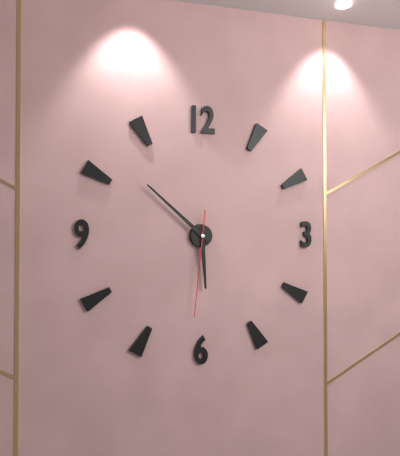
{"hour": 5, "minute": 52, "second": 31}
